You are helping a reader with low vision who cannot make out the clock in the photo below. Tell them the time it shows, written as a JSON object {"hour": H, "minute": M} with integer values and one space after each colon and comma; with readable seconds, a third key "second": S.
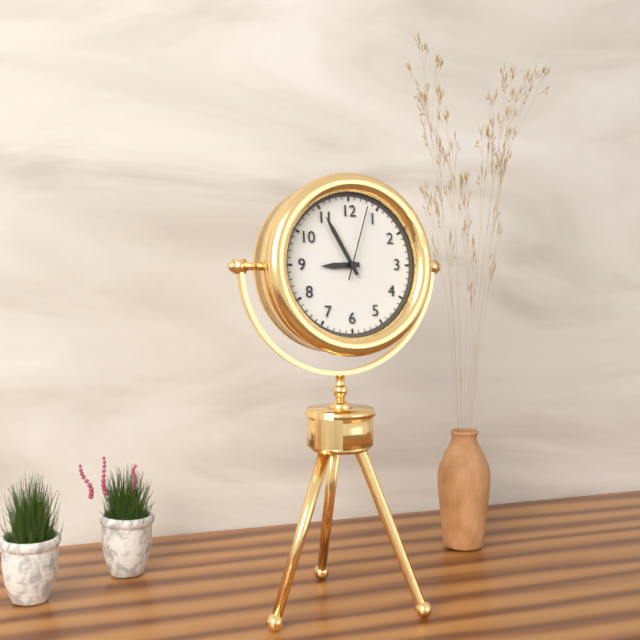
{"hour": 8, "minute": 55, "second": 3}
